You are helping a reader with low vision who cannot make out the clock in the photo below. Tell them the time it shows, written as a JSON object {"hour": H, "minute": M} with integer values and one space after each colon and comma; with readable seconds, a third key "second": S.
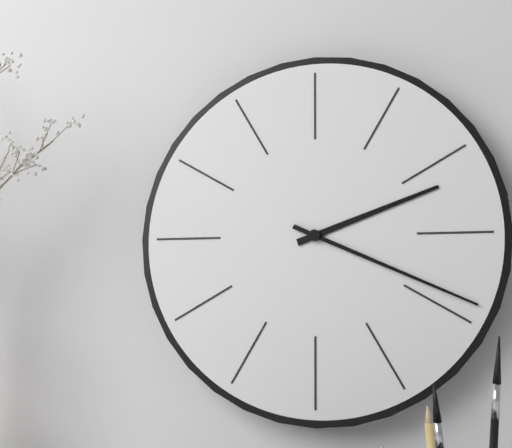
{"hour": 2, "minute": 19}
